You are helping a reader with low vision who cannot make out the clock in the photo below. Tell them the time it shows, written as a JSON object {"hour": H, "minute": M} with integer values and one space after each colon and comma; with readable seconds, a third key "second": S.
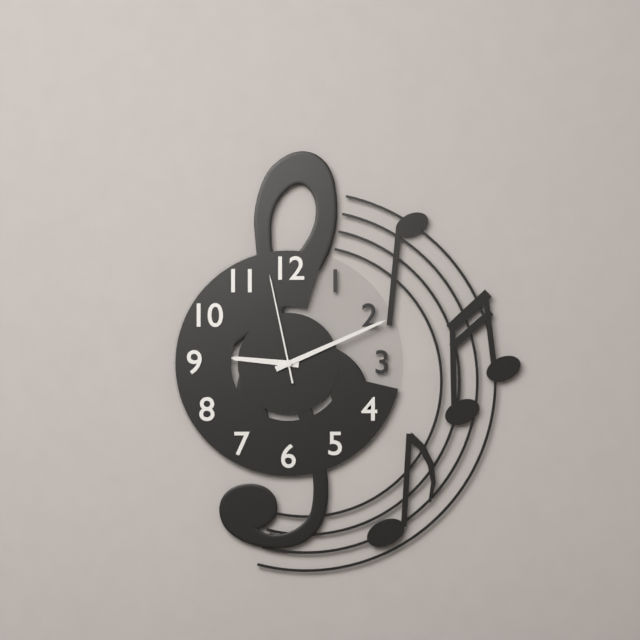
{"hour": 9, "minute": 11, "second": 58}
